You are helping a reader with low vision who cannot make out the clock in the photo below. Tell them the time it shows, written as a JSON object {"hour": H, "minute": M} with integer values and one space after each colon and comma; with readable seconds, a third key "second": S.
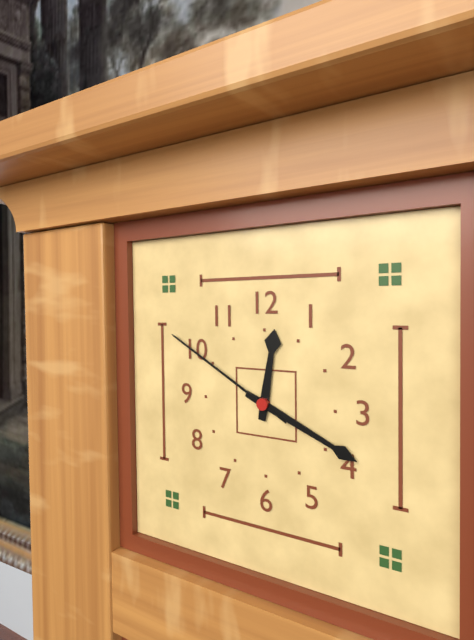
{"hour": 12, "minute": 19, "second": 50}
